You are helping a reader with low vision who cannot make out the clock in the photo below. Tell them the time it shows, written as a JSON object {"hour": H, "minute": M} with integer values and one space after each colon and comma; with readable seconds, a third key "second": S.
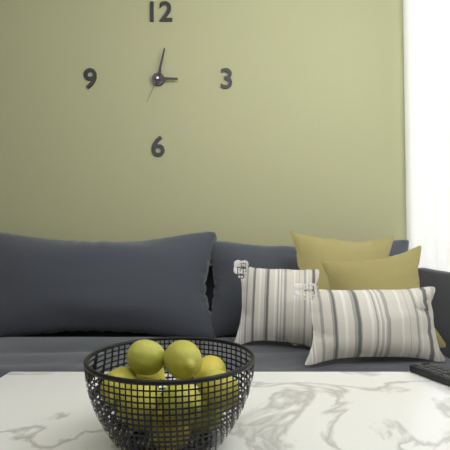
{"hour": 3, "minute": 2}
